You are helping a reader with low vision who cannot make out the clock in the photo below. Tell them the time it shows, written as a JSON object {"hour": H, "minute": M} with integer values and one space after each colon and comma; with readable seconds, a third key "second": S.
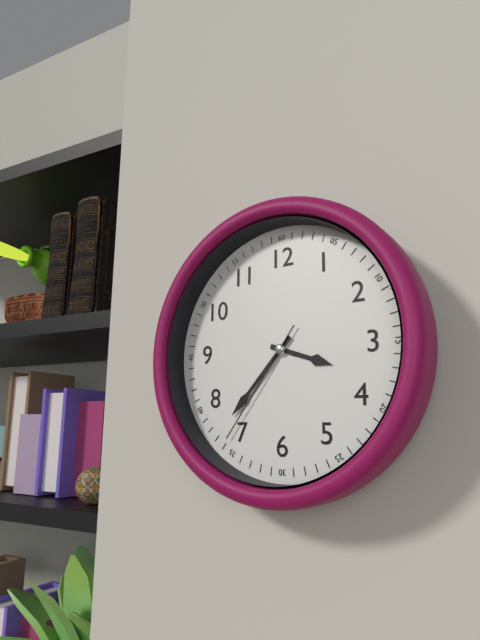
{"hour": 3, "minute": 37, "second": 36}
